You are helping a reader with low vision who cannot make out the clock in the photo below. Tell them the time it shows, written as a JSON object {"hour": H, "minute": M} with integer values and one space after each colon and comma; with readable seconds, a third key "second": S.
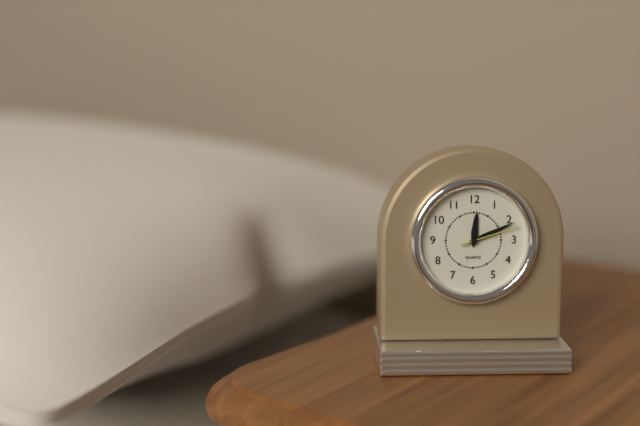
{"hour": 12, "minute": 11, "second": 12}
